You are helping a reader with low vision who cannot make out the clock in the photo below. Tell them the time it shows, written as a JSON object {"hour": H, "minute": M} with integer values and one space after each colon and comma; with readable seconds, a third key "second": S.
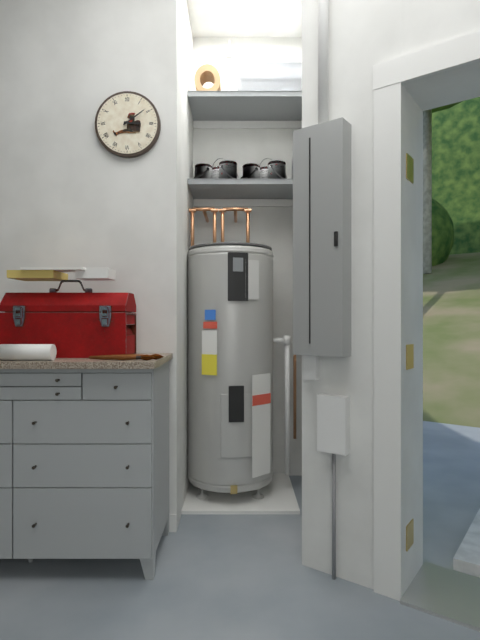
{"hour": 3, "minute": 9}
